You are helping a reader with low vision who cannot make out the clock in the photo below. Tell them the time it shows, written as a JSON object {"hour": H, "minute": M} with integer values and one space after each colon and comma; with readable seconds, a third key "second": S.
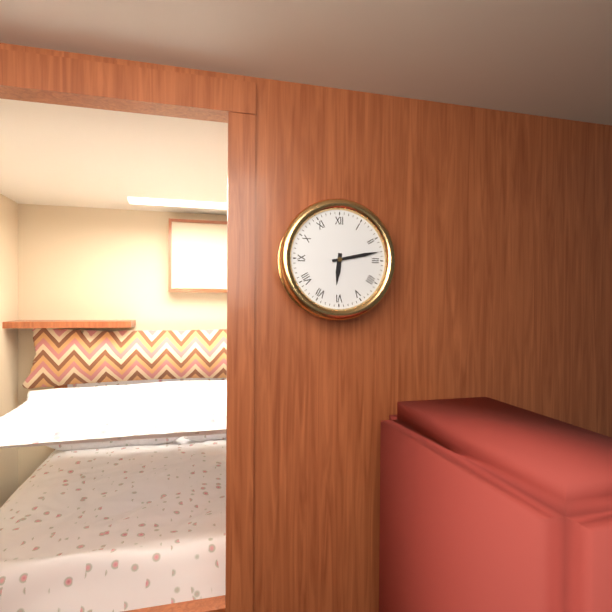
{"hour": 6, "minute": 13}
